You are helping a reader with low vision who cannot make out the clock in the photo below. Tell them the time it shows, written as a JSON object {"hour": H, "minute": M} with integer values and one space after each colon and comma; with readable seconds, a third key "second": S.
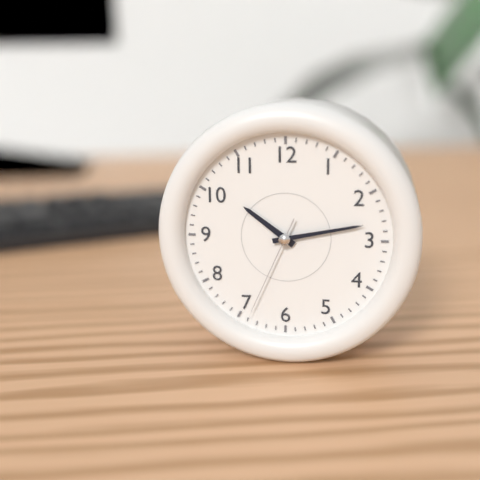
{"hour": 10, "minute": 13, "second": 34}
